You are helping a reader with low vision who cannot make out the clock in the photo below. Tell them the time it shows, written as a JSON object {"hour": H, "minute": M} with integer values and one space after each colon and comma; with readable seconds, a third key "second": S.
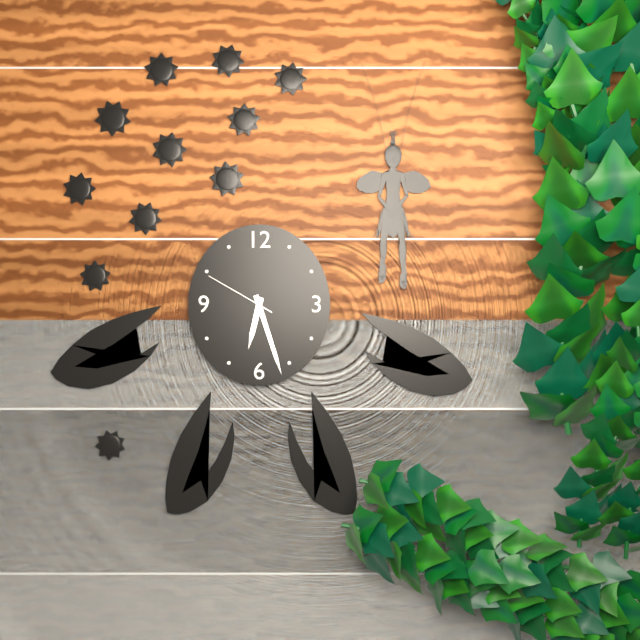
{"hour": 6, "minute": 27, "second": 50}
